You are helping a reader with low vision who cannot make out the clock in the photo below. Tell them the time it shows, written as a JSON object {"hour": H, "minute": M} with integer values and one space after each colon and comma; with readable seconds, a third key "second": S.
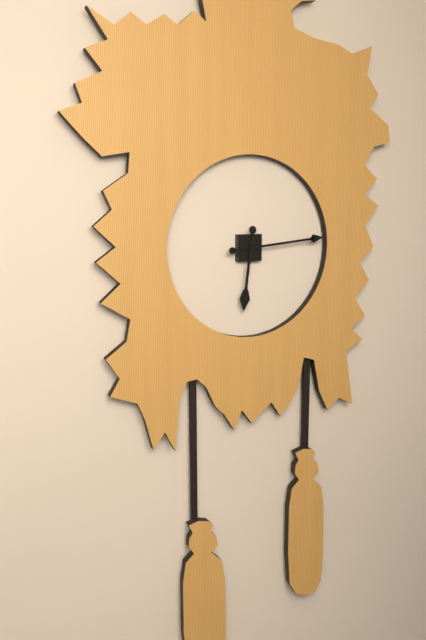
{"hour": 6, "minute": 14}
